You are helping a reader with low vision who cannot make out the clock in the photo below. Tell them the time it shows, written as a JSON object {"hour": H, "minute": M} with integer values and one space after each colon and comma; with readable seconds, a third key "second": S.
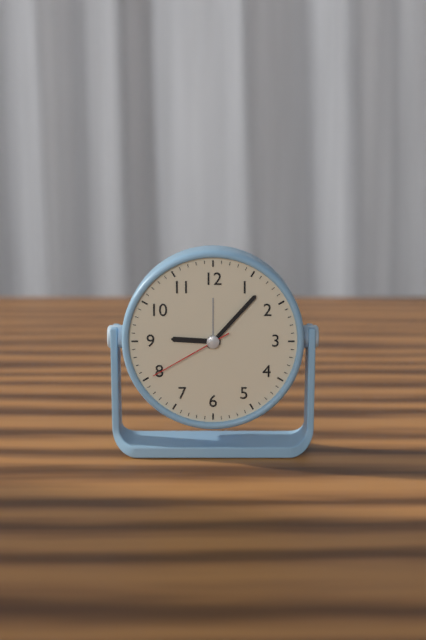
{"hour": 9, "minute": 7, "second": 40}
